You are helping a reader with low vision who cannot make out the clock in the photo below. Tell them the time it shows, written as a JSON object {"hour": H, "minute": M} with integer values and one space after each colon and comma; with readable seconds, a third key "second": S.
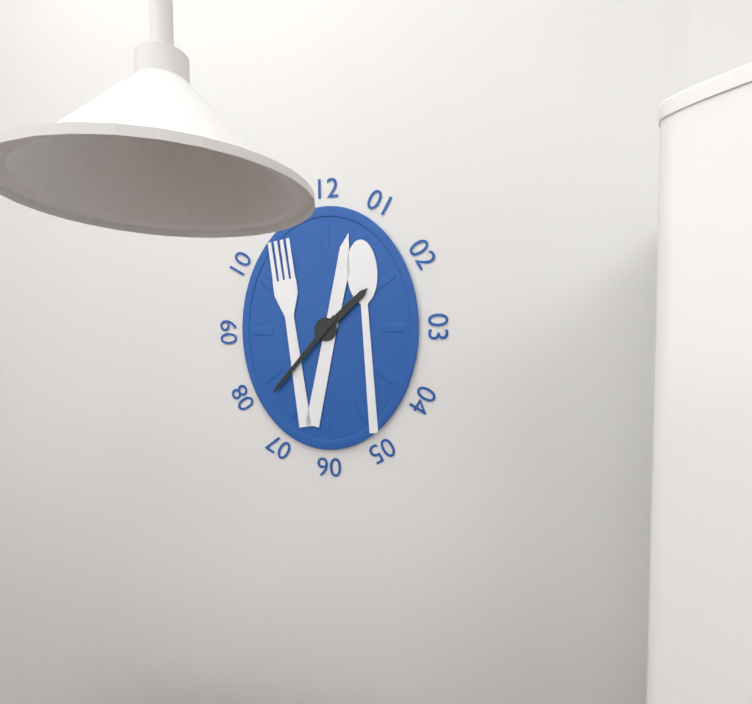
{"hour": 1, "minute": 37}
